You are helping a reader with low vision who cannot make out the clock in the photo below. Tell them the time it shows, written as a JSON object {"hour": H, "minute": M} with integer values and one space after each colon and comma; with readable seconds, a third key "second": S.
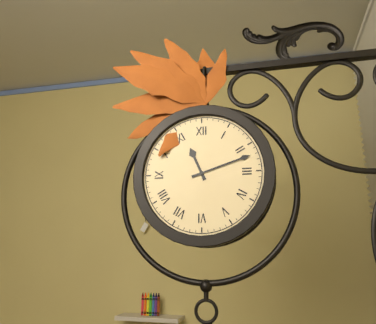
{"hour": 11, "minute": 12}
